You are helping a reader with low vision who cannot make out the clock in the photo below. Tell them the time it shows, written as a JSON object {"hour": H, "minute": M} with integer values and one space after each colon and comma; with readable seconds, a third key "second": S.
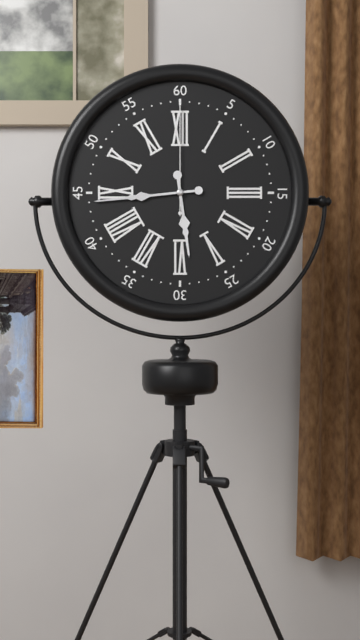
{"hour": 5, "minute": 44, "second": 0}
